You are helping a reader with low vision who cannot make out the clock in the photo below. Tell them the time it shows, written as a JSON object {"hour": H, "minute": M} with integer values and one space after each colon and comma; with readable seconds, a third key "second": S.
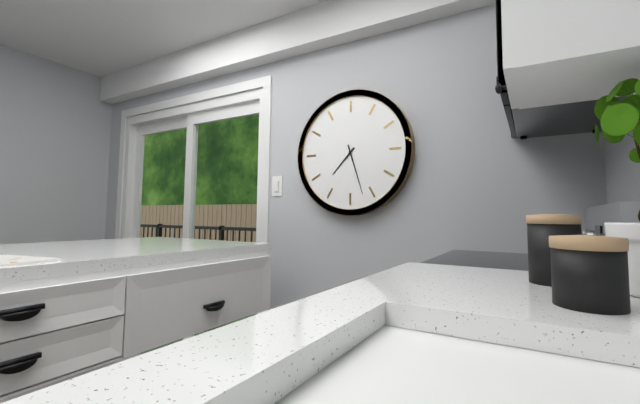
{"hour": 7, "minute": 27}
